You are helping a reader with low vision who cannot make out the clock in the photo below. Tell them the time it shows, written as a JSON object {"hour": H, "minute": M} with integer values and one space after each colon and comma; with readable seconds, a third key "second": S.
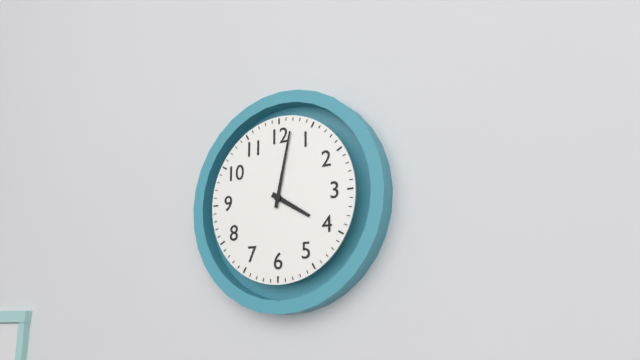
{"hour": 4, "minute": 2}
